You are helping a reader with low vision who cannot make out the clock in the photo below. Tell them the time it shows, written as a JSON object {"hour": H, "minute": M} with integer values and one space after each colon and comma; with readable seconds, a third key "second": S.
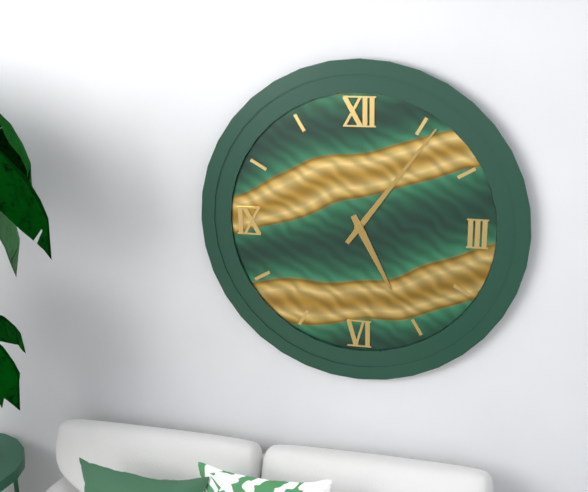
{"hour": 5, "minute": 6}
